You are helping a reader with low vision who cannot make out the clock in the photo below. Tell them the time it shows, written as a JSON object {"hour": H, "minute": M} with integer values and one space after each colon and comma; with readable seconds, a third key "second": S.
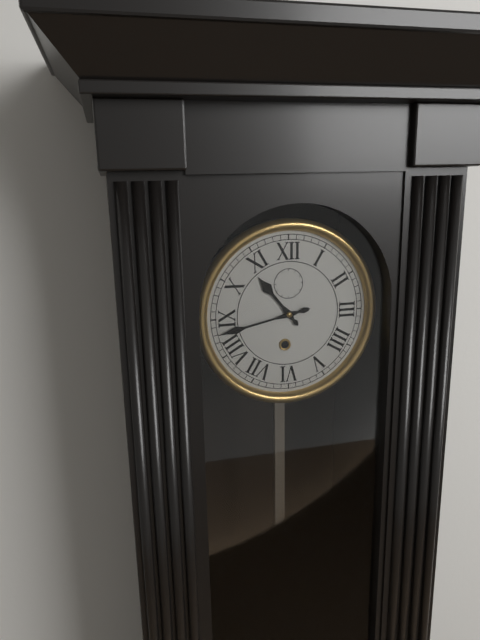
{"hour": 10, "minute": 43}
